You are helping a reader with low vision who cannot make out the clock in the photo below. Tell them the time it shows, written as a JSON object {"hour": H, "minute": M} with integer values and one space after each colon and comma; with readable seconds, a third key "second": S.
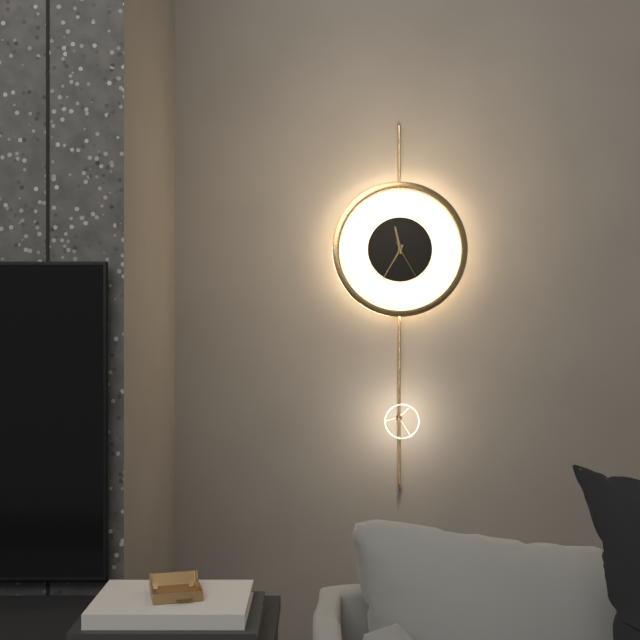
{"hour": 11, "minute": 35}
